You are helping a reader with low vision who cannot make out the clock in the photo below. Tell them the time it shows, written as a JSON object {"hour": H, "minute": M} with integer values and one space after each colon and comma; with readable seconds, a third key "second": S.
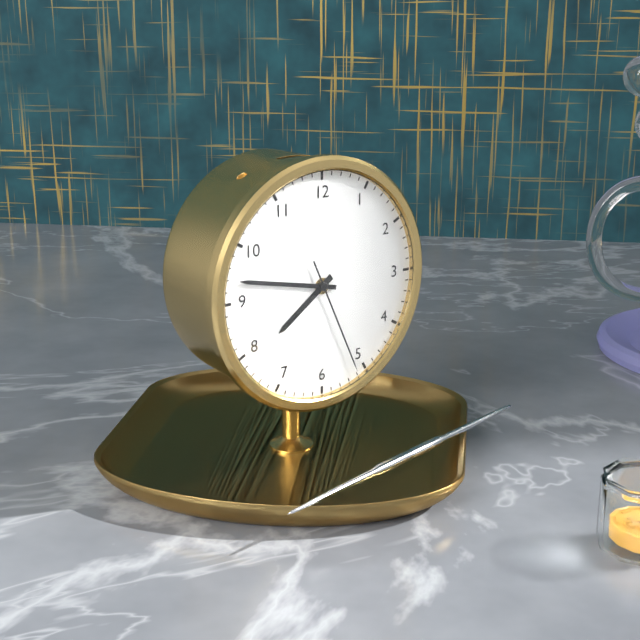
{"hour": 7, "minute": 47, "second": 26}
